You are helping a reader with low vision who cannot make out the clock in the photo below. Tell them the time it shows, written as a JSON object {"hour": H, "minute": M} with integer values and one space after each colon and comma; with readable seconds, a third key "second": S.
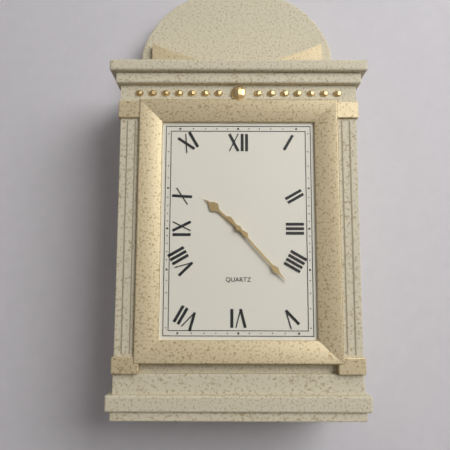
{"hour": 10, "minute": 23}
